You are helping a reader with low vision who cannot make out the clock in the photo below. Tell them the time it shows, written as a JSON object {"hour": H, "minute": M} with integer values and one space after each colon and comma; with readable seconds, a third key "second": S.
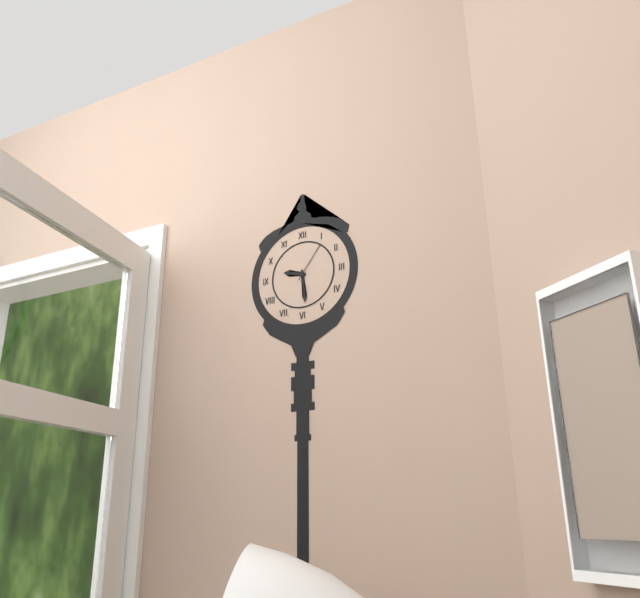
{"hour": 9, "minute": 29}
